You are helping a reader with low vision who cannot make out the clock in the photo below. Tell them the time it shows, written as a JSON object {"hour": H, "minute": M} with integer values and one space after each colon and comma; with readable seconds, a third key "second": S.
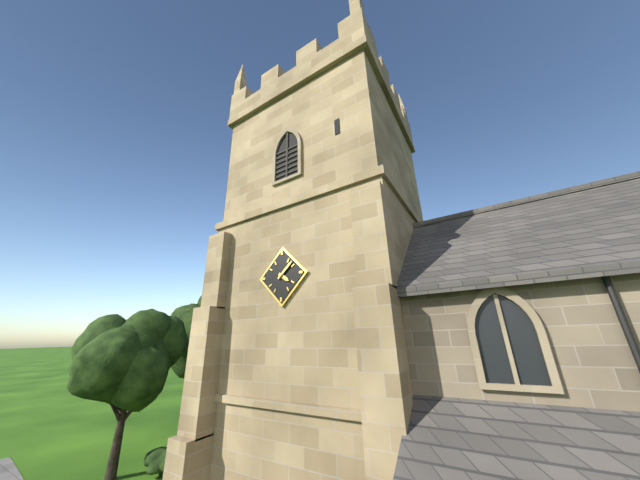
{"hour": 4, "minute": 8}
